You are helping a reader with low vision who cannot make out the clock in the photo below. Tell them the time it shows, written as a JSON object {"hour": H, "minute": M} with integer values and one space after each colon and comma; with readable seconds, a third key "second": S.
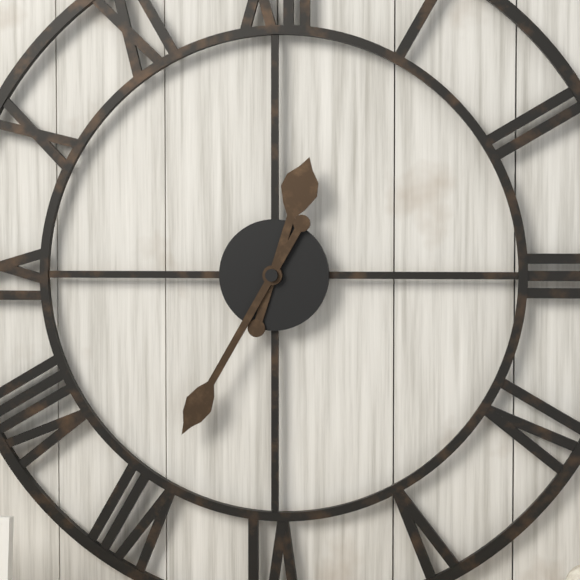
{"hour": 12, "minute": 35}
